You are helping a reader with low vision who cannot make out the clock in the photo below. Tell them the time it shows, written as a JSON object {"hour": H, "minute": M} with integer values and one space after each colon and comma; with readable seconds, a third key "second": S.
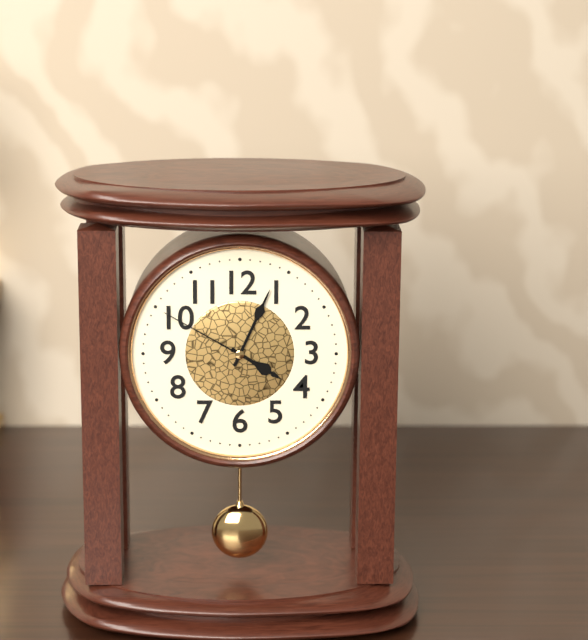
{"hour": 4, "minute": 4, "second": 50}
